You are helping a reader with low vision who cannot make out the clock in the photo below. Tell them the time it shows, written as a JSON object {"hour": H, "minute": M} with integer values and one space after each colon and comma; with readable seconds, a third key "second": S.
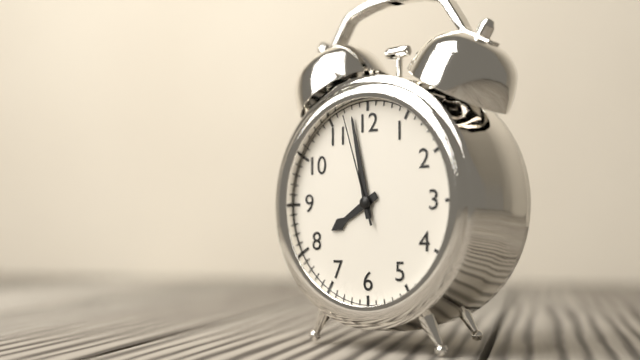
{"hour": 7, "minute": 58, "second": 57}
